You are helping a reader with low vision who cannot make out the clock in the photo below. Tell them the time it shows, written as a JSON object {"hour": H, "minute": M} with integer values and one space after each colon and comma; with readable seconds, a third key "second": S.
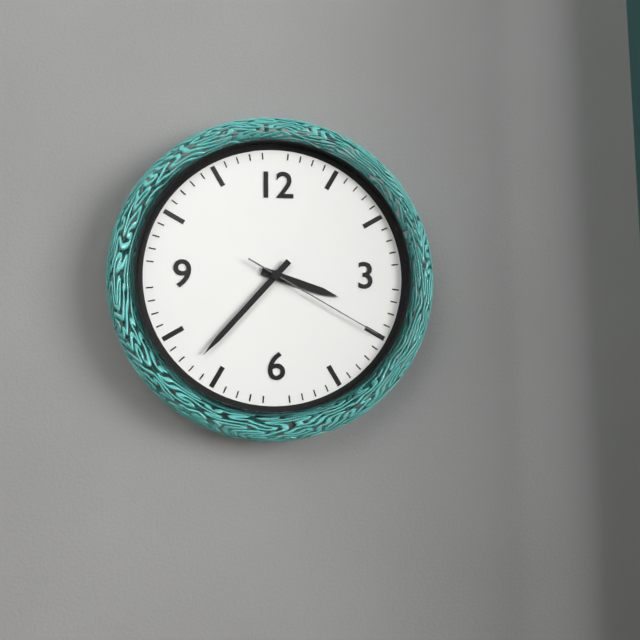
{"hour": 3, "minute": 37, "second": 20}
